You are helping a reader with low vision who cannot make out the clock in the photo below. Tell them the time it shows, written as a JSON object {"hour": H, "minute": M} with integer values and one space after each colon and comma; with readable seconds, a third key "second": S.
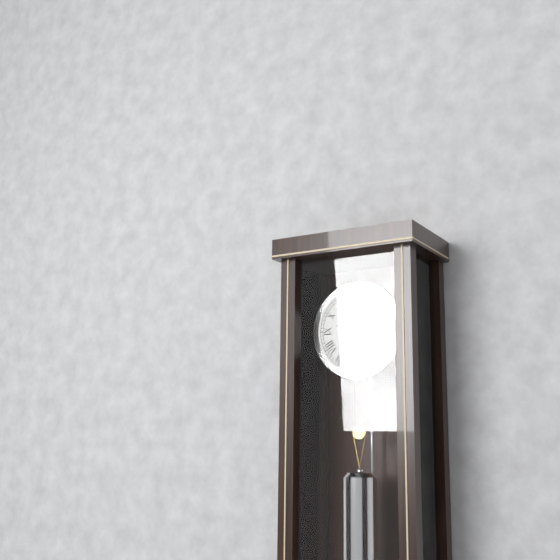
{"hour": 9, "minute": 29}
